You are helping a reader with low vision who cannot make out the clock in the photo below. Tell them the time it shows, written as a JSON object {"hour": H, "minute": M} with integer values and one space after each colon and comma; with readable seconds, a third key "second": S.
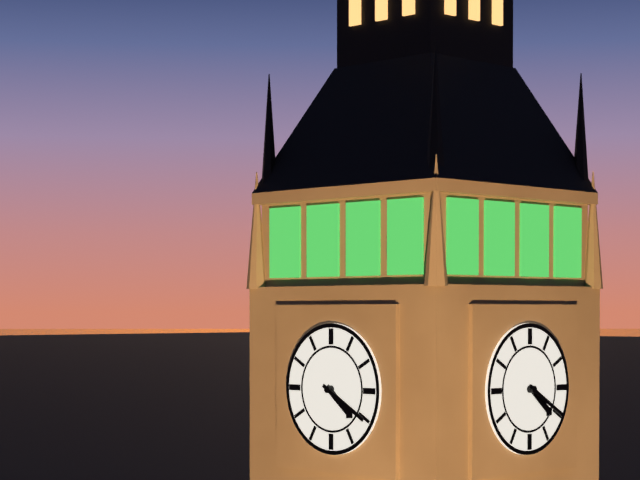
{"hour": 4, "minute": 20}
